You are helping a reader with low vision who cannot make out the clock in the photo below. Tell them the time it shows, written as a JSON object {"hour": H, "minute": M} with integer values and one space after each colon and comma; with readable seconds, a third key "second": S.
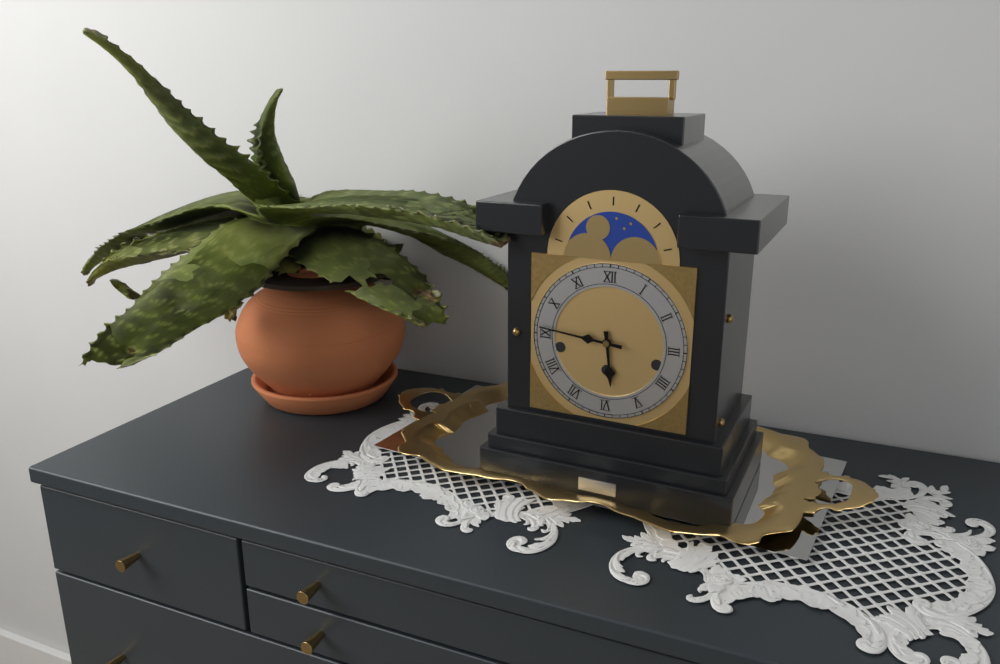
{"hour": 5, "minute": 46}
